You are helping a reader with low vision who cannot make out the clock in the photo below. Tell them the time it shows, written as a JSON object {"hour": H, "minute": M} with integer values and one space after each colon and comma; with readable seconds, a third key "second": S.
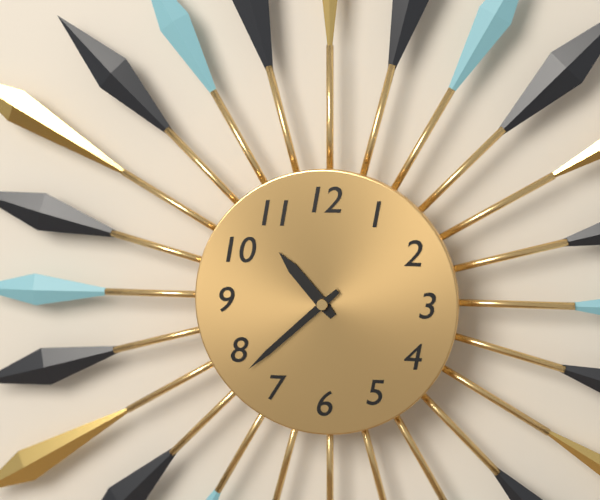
{"hour": 10, "minute": 38}
